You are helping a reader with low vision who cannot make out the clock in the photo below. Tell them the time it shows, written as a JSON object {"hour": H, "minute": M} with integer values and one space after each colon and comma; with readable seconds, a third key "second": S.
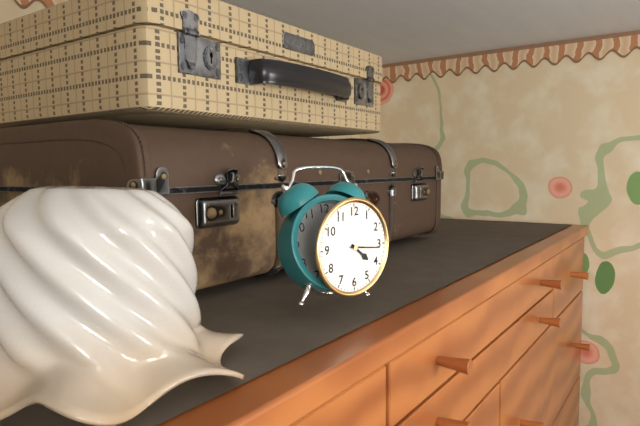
{"hour": 4, "minute": 16}
